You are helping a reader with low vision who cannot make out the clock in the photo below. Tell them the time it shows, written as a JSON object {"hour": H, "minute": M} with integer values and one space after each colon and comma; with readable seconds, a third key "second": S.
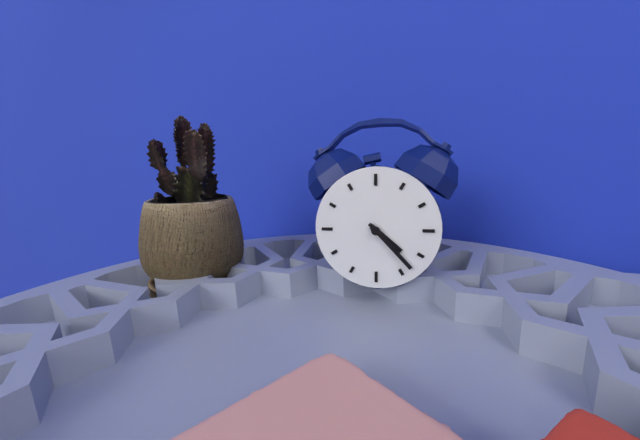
{"hour": 4, "minute": 23}
